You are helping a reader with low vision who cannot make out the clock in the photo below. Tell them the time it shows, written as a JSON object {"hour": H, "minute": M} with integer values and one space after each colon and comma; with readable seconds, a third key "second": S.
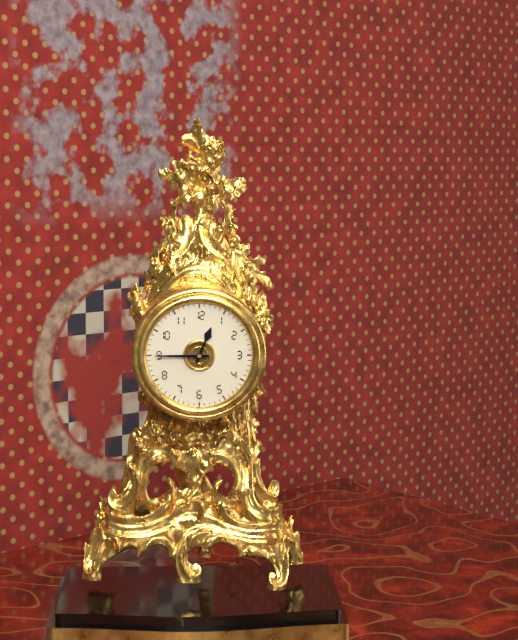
{"hour": 12, "minute": 45}
